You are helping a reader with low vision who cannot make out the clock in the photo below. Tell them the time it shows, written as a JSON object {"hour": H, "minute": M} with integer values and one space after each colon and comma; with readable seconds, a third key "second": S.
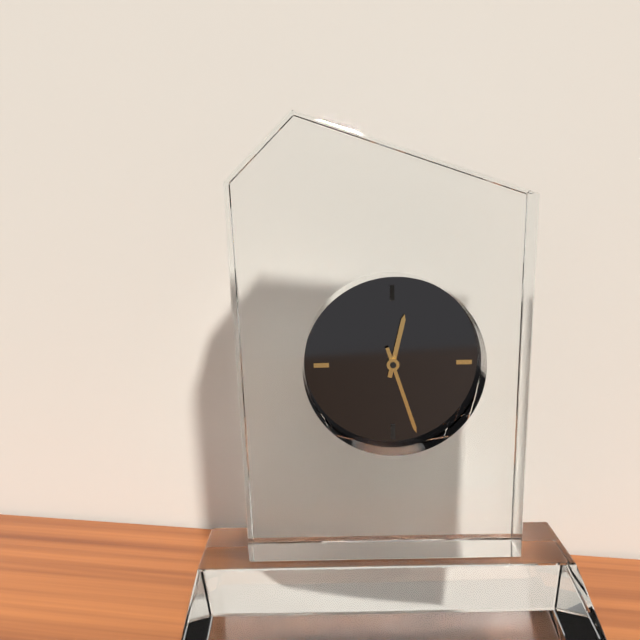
{"hour": 12, "minute": 27}
